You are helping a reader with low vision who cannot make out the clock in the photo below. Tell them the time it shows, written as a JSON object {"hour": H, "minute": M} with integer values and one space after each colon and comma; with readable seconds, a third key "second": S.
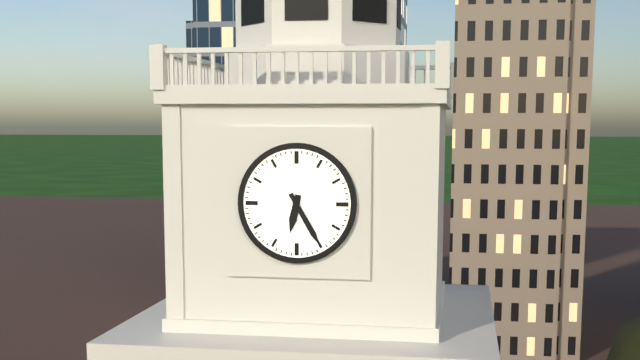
{"hour": 6, "minute": 25}
